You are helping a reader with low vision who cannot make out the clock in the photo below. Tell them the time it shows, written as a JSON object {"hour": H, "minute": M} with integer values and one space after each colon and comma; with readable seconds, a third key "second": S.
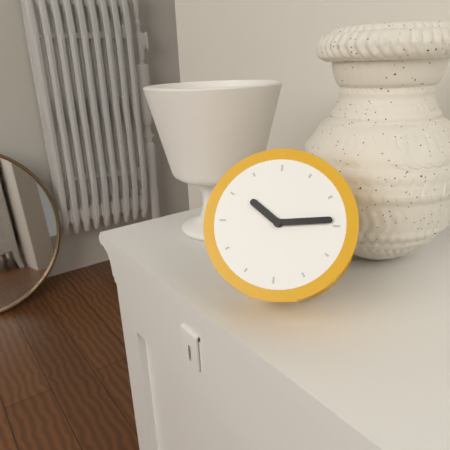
{"hour": 10, "minute": 14}
